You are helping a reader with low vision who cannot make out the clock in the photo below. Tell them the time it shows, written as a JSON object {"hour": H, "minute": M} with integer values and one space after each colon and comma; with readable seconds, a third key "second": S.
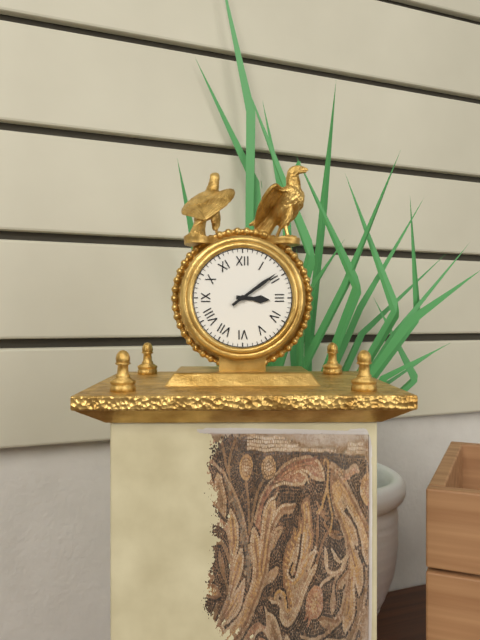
{"hour": 3, "minute": 9}
